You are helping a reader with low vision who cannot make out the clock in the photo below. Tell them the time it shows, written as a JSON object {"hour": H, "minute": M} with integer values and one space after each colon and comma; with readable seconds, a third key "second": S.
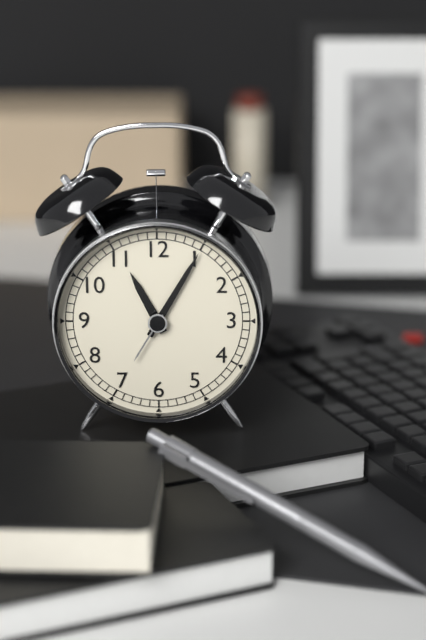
{"hour": 11, "minute": 5}
